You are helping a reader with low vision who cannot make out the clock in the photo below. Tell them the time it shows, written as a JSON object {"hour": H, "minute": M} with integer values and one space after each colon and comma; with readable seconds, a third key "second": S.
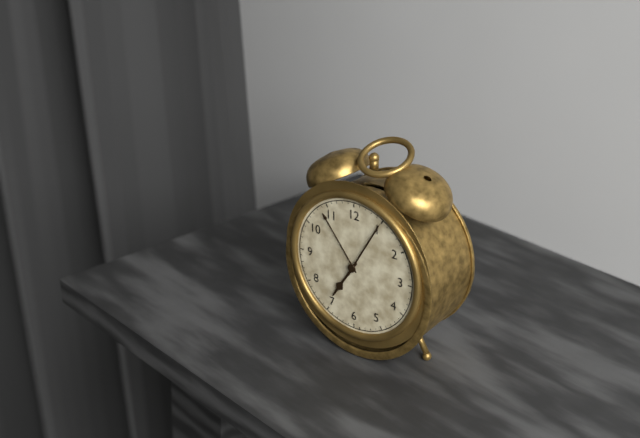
{"hour": 7, "minute": 5}
